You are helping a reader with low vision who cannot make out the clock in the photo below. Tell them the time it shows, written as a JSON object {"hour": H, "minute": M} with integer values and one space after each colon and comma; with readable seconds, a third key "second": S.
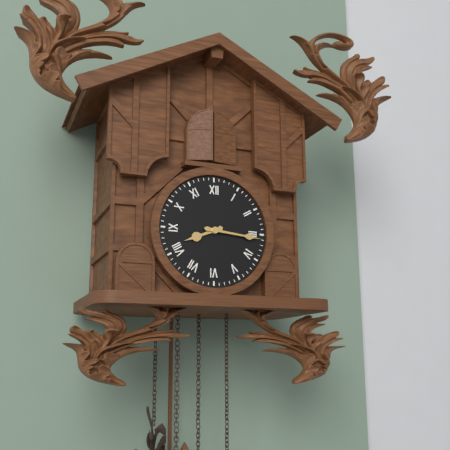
{"hour": 8, "minute": 16}
